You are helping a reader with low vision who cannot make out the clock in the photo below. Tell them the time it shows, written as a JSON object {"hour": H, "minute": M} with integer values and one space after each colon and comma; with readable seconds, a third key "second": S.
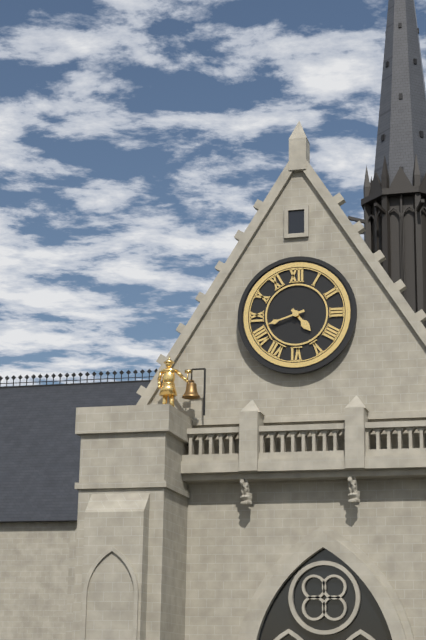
{"hour": 4, "minute": 42}
